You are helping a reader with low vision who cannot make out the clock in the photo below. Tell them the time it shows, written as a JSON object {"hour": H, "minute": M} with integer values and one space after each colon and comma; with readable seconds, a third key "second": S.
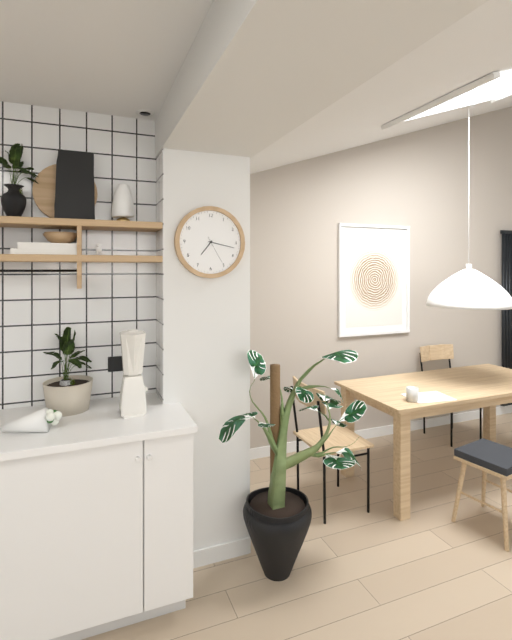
{"hour": 7, "minute": 17}
